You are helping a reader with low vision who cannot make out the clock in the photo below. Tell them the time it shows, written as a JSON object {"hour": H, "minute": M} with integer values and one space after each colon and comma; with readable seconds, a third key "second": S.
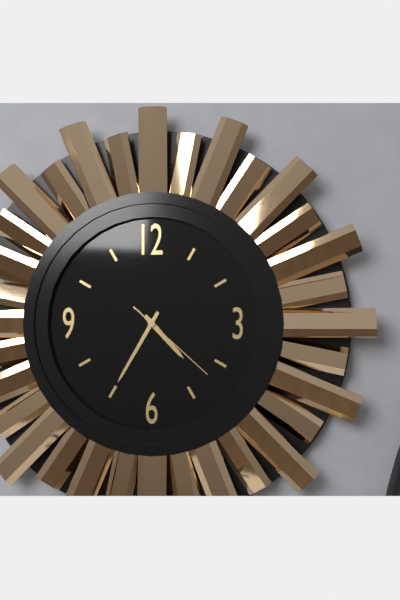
{"hour": 4, "minute": 35, "second": 22}
